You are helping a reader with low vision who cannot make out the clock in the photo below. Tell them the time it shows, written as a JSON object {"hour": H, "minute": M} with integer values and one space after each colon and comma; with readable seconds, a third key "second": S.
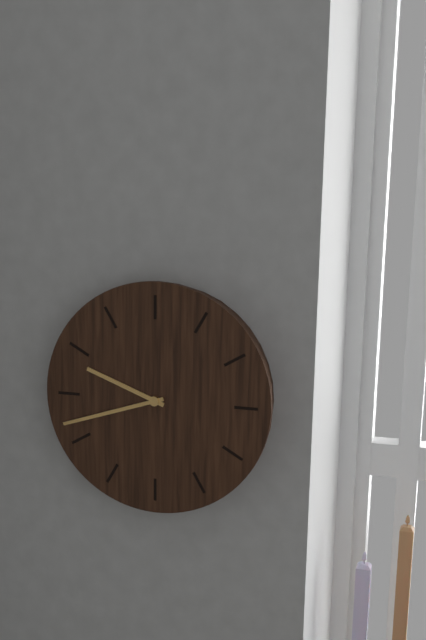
{"hour": 9, "minute": 42}
